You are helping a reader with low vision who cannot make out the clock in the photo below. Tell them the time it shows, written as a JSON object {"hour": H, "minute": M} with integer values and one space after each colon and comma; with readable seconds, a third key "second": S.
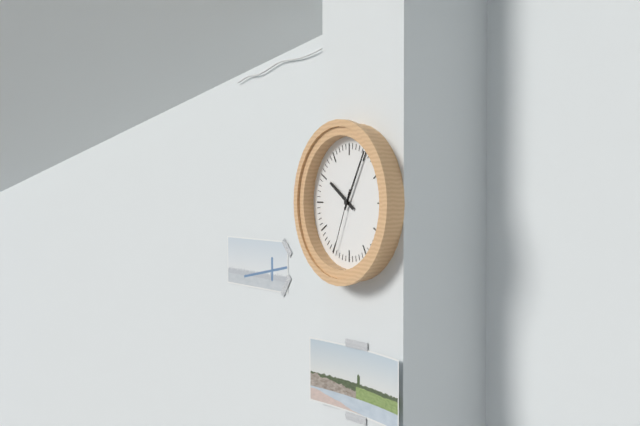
{"hour": 10, "minute": 5, "second": 34}
